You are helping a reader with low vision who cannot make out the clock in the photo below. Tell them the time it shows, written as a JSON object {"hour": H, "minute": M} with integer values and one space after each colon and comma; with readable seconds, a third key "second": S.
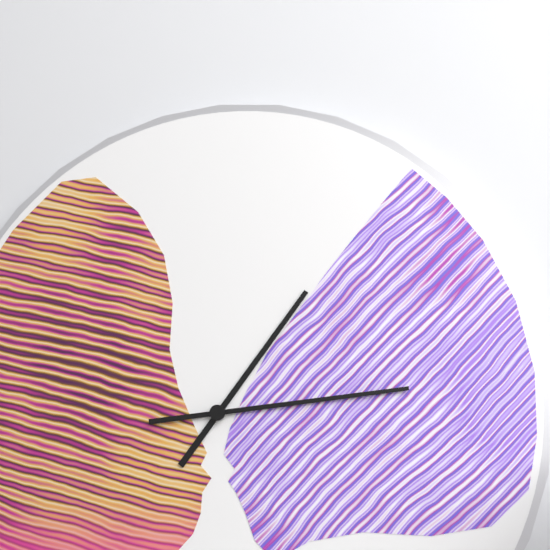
{"hour": 1, "minute": 14}
